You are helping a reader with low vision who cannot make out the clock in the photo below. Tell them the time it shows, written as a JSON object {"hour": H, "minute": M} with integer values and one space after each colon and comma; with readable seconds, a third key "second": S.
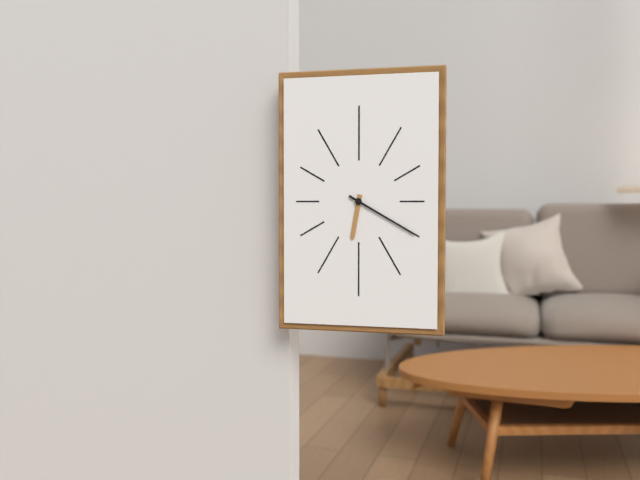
{"hour": 6, "minute": 20}
